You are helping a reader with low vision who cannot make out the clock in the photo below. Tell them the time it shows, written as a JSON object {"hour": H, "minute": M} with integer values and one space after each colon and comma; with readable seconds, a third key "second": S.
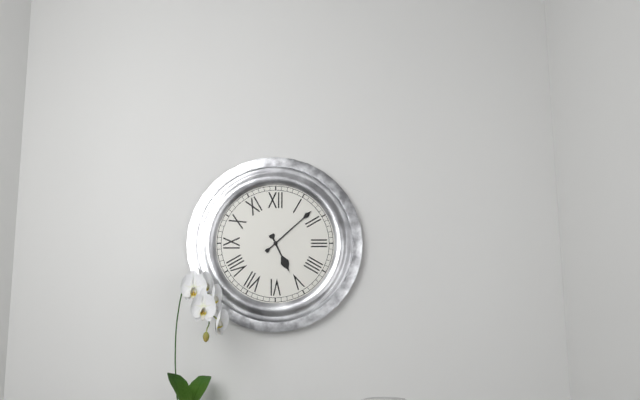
{"hour": 5, "minute": 8}
